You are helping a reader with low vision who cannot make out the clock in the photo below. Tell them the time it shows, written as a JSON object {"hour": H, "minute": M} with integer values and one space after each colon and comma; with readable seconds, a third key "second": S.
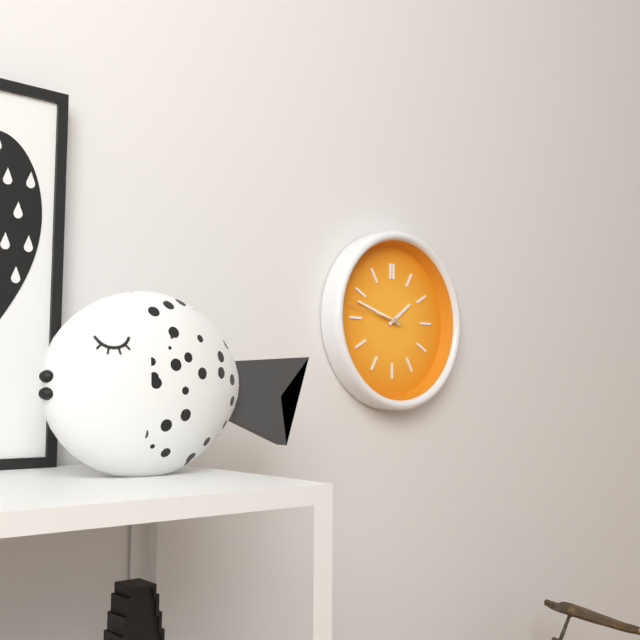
{"hour": 1, "minute": 48, "second": 47}
